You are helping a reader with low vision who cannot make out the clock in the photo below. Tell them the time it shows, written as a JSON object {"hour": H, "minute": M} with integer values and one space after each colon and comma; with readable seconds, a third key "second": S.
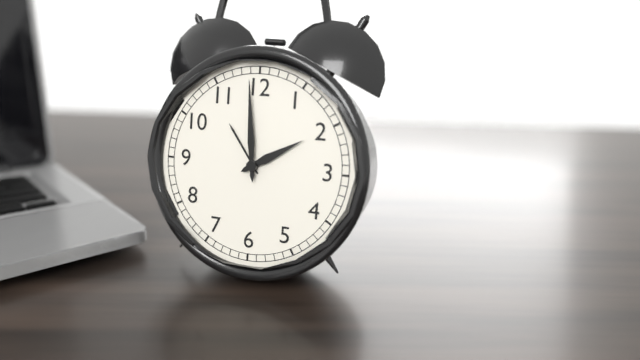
{"hour": 1, "minute": 59}
